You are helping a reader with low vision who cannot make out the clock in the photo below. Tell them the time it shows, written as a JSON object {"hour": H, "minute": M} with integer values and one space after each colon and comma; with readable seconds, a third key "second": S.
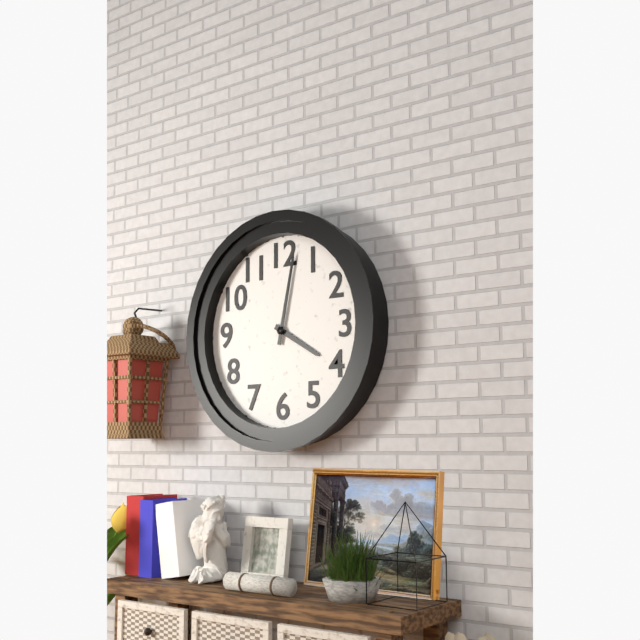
{"hour": 4, "minute": 2}
